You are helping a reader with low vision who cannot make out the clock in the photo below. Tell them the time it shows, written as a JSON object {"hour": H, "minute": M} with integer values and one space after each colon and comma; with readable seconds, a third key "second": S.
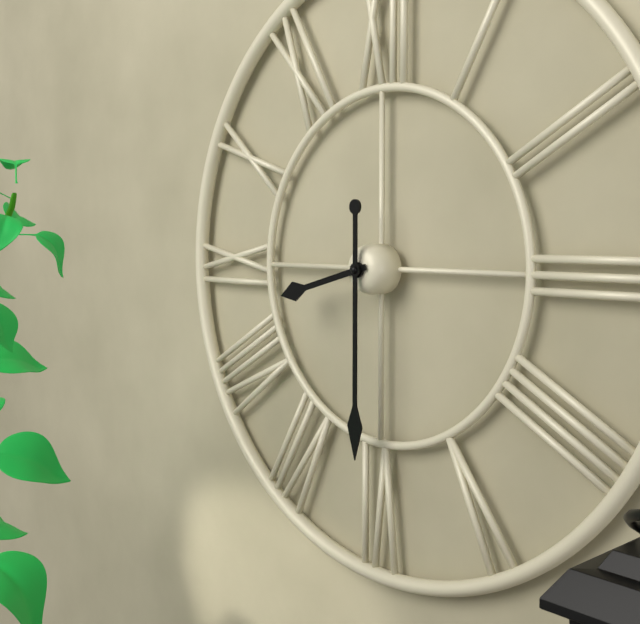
{"hour": 8, "minute": 30}
